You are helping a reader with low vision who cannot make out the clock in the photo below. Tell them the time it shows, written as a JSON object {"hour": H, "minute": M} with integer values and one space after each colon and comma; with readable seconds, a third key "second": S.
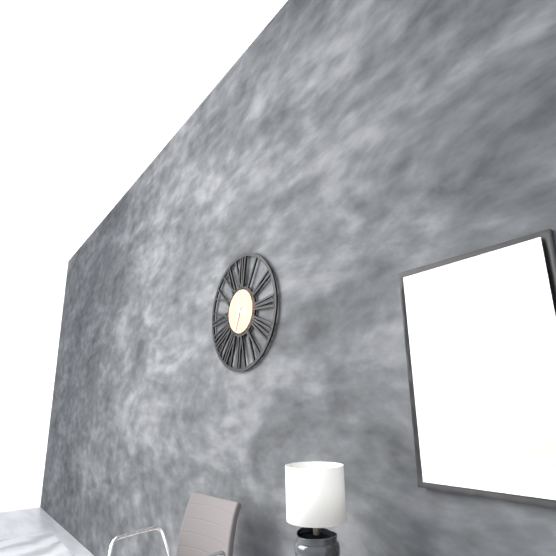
{"hour": 3, "minute": 34}
